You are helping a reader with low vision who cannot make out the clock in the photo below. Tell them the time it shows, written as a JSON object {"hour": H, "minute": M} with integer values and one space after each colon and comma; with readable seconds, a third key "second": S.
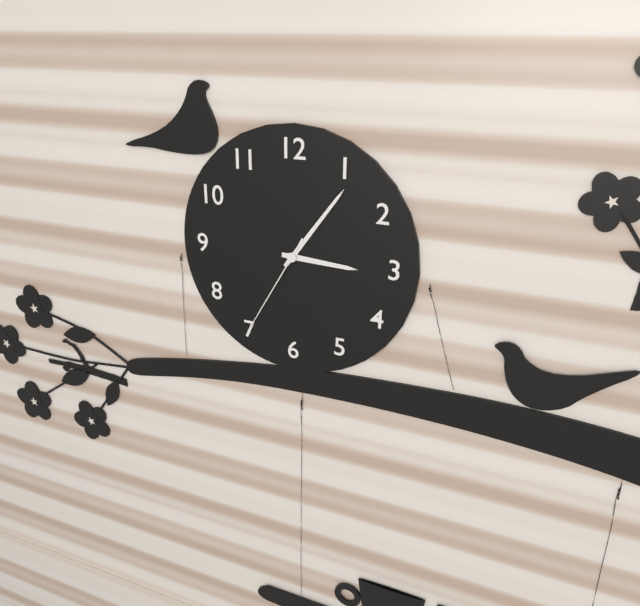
{"hour": 3, "minute": 6, "second": 35}
